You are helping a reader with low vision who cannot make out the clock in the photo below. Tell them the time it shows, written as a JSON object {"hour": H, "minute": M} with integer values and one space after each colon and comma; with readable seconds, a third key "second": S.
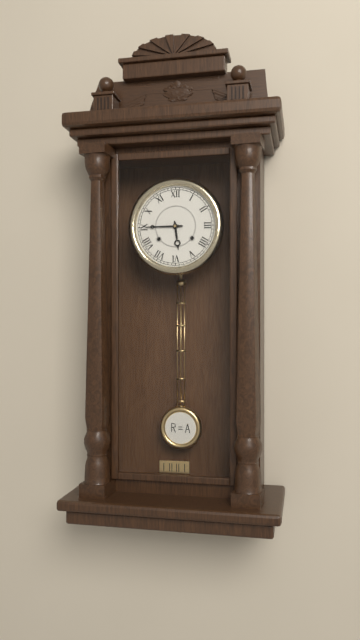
{"hour": 5, "minute": 45}
